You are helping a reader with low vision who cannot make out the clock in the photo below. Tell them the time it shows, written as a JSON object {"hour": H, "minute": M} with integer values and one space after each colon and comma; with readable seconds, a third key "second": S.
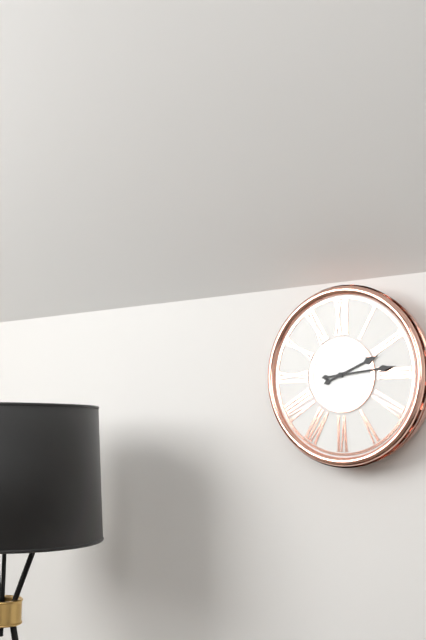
{"hour": 2, "minute": 14}
